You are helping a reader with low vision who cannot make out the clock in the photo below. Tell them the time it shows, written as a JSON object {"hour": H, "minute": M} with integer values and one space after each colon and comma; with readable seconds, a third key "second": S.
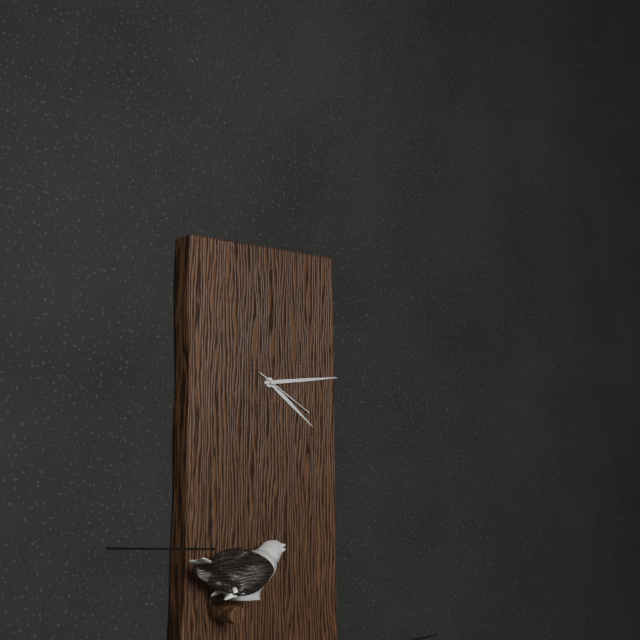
{"hour": 4, "minute": 14, "second": 20}
